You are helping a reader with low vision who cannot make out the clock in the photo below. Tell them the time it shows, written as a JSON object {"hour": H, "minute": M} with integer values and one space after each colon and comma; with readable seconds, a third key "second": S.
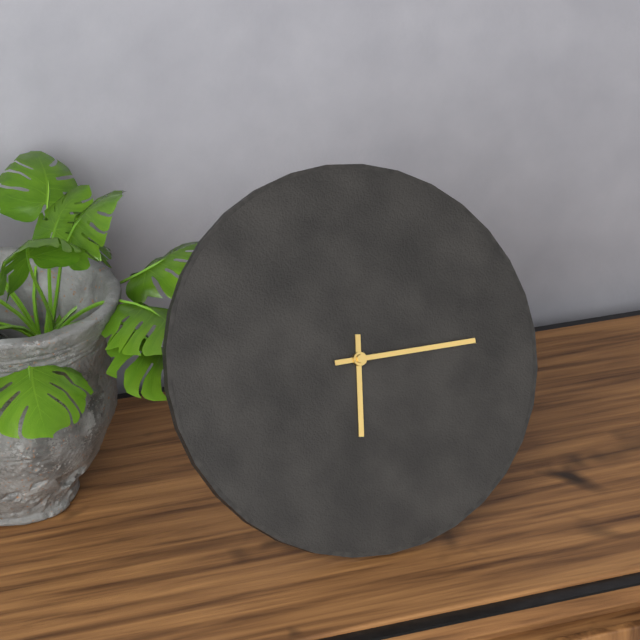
{"hour": 6, "minute": 15}
